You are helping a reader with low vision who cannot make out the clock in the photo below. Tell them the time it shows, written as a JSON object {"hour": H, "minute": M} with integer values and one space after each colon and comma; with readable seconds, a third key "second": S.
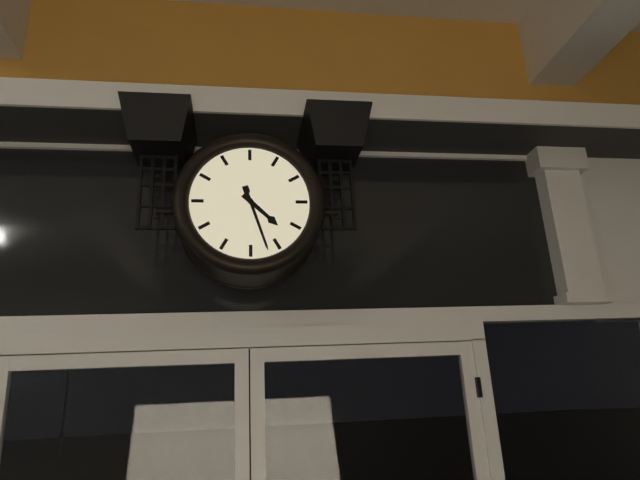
{"hour": 4, "minute": 27}
